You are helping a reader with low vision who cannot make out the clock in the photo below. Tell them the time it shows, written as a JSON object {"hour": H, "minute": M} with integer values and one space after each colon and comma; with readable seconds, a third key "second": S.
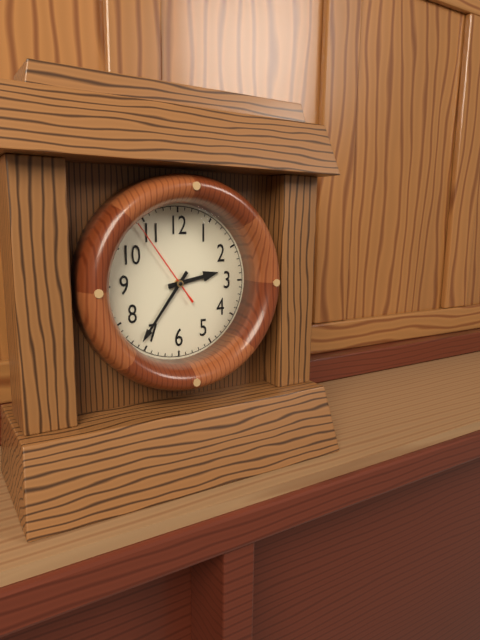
{"hour": 2, "minute": 36, "second": 54}
